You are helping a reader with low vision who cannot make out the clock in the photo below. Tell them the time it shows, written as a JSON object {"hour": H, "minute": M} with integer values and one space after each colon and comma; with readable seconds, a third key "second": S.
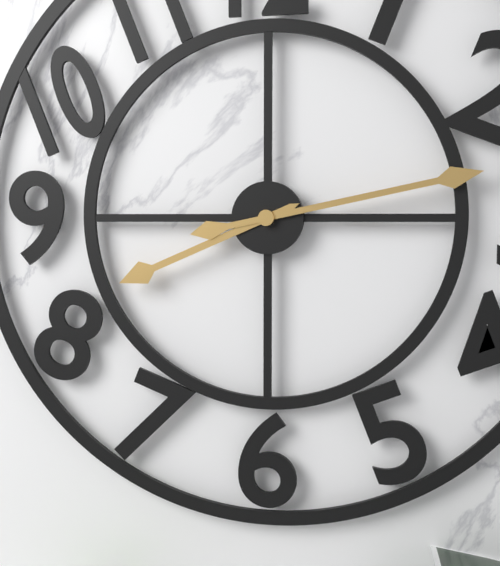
{"hour": 8, "minute": 13}
